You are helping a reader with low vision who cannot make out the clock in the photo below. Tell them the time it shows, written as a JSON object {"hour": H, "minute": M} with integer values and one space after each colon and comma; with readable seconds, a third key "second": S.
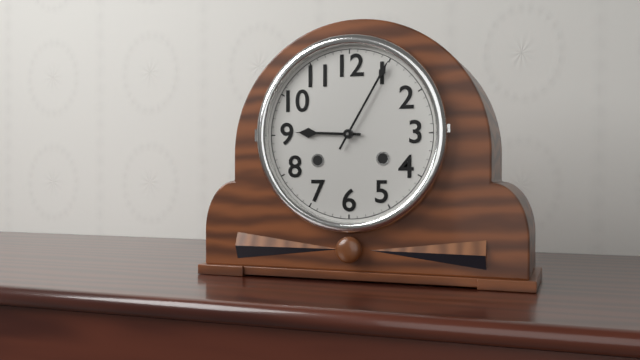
{"hour": 9, "minute": 5}
